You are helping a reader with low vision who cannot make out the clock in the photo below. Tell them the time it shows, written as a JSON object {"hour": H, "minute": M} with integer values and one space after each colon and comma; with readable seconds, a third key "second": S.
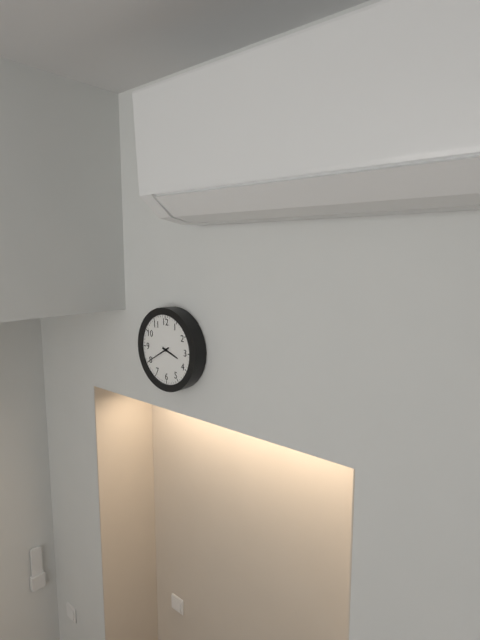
{"hour": 3, "minute": 40}
